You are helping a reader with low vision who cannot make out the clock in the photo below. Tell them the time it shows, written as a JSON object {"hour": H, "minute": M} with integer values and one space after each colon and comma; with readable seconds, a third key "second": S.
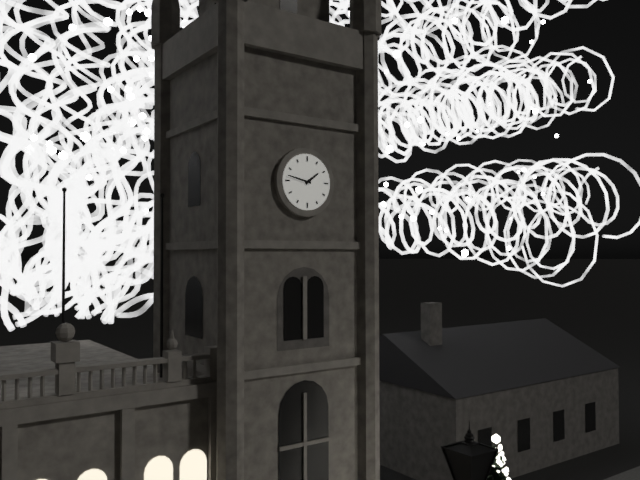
{"hour": 1, "minute": 47}
